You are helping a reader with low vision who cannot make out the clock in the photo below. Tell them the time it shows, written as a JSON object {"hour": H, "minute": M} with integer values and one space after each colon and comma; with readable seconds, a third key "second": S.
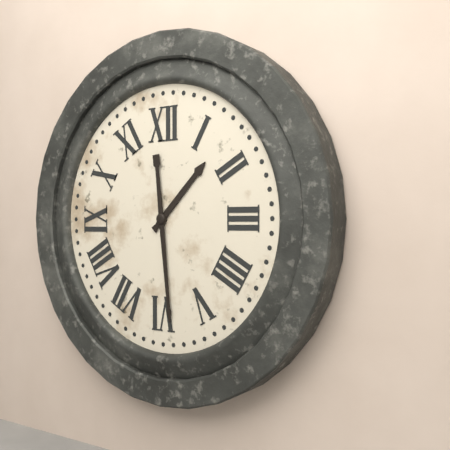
{"hour": 1, "minute": 29}
